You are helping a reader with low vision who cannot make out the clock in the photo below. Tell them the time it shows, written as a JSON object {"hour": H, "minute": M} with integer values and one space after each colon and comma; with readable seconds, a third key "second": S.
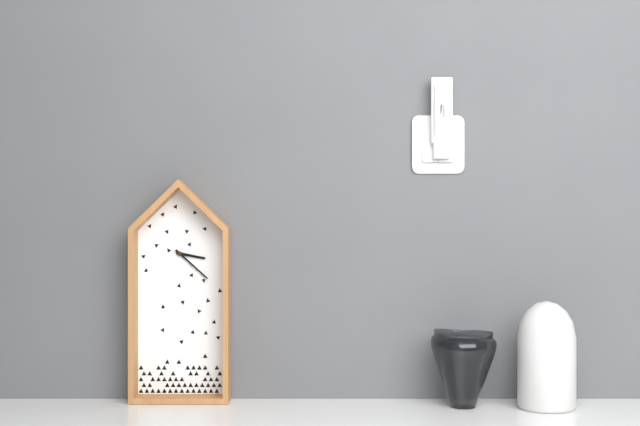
{"hour": 3, "minute": 22}
